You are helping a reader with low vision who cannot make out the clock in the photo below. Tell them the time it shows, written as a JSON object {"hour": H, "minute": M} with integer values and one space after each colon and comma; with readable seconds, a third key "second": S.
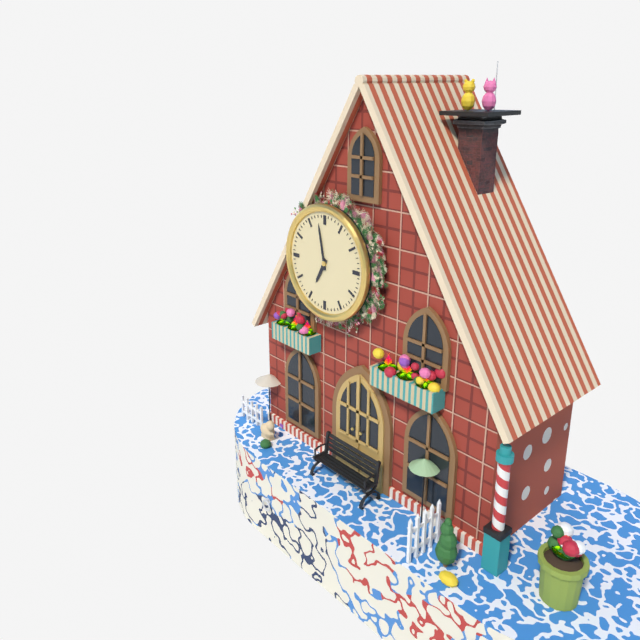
{"hour": 6, "minute": 58}
